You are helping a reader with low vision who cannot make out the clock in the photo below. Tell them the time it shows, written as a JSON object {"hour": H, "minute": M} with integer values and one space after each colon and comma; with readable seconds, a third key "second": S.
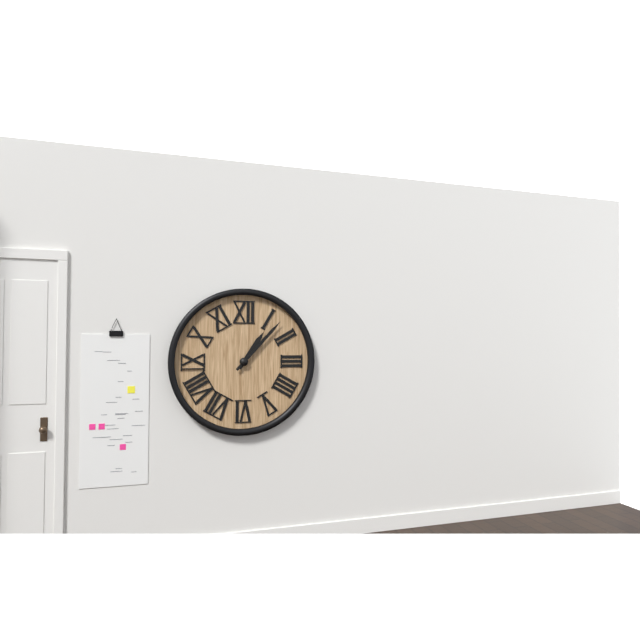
{"hour": 1, "minute": 7}
